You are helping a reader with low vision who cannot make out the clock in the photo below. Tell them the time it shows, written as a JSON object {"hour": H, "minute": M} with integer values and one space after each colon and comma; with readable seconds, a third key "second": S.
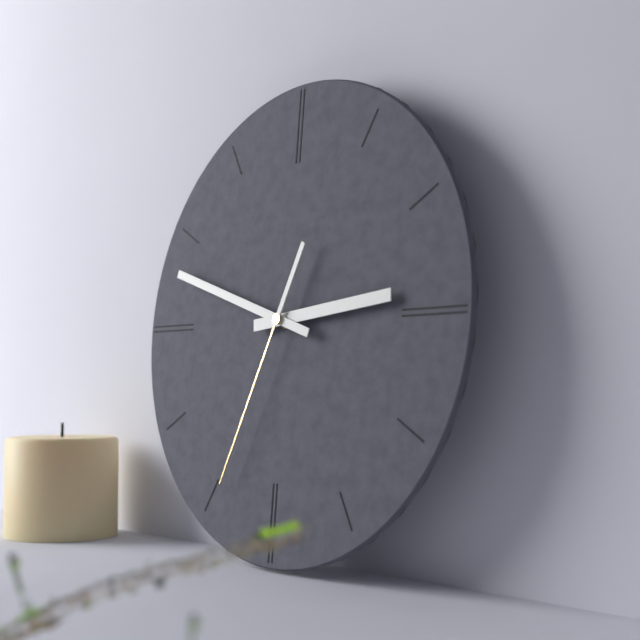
{"hour": 2, "minute": 48, "second": 34}
